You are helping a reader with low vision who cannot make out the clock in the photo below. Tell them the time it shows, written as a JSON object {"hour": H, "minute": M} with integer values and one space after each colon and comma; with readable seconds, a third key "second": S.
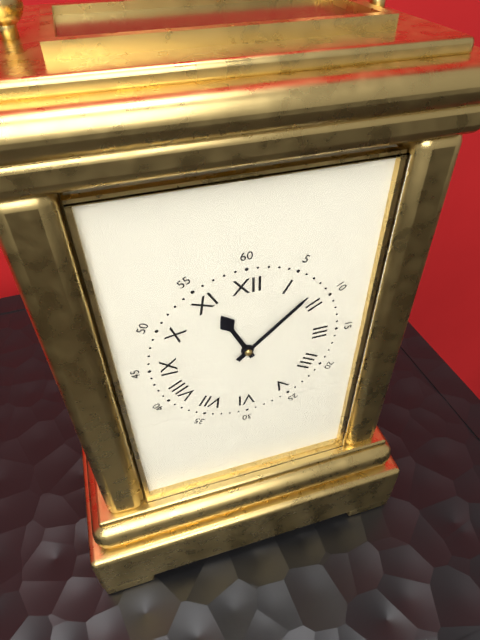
{"hour": 11, "minute": 8}
